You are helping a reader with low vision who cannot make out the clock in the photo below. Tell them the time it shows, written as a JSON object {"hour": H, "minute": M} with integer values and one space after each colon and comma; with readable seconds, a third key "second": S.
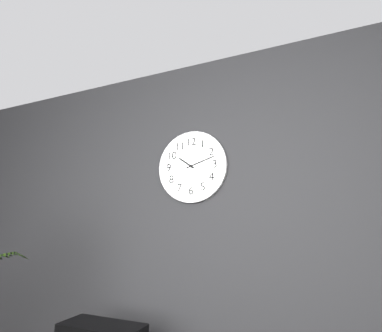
{"hour": 10, "minute": 12}
